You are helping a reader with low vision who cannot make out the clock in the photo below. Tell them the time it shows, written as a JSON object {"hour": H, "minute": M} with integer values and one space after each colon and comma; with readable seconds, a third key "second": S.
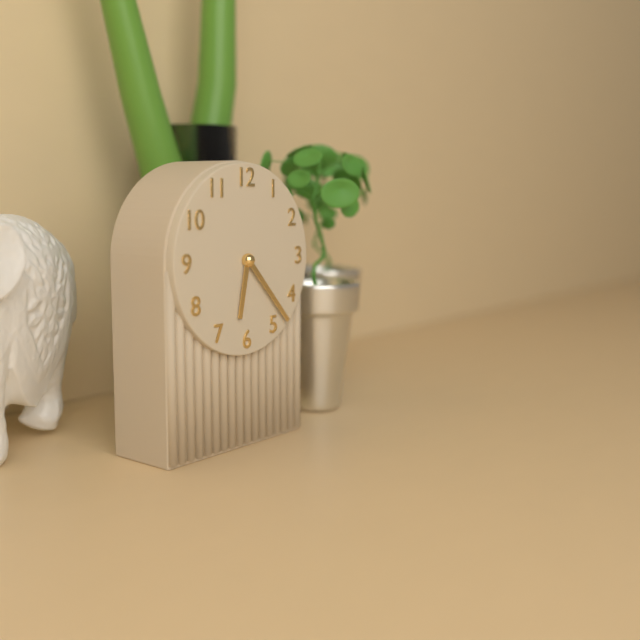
{"hour": 6, "minute": 23}
